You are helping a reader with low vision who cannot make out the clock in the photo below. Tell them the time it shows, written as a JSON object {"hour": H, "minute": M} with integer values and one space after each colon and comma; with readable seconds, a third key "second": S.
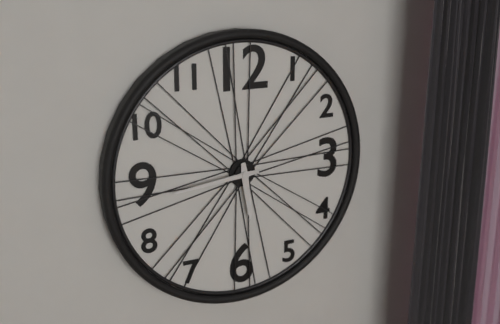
{"hour": 5, "minute": 44}
